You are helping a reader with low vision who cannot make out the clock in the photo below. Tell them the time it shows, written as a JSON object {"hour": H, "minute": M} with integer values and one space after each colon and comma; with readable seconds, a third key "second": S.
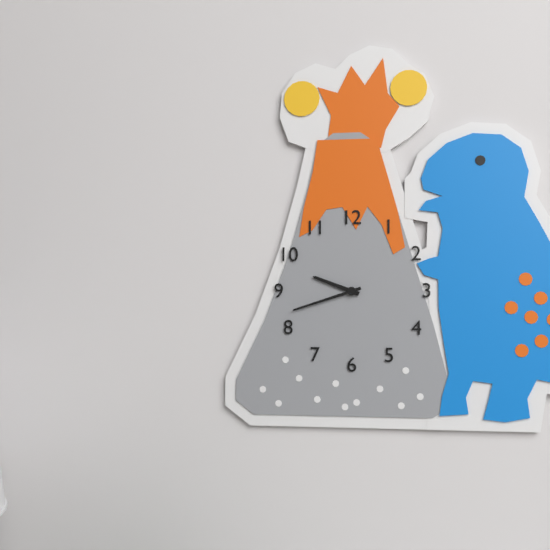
{"hour": 9, "minute": 42}
